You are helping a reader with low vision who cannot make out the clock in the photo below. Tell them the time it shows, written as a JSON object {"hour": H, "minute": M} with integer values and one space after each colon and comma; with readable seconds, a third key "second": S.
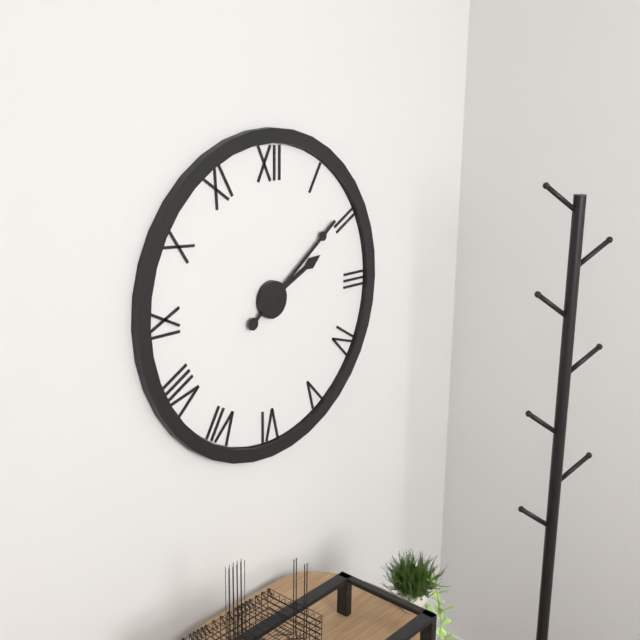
{"hour": 2, "minute": 9}
